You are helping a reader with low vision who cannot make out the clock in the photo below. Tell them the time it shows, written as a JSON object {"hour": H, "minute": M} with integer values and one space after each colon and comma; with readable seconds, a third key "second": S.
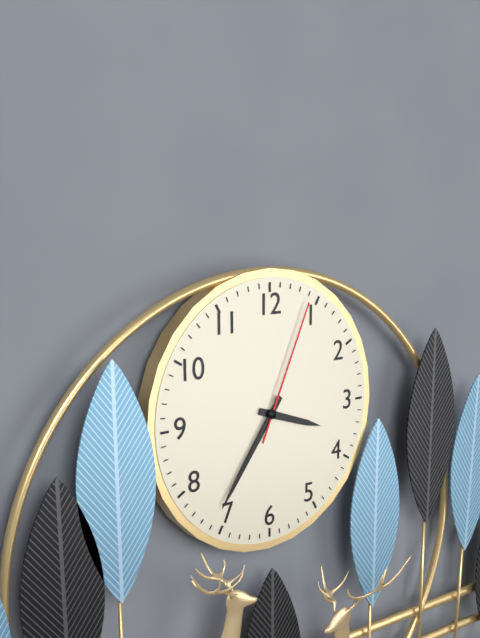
{"hour": 3, "minute": 36, "second": 4}
